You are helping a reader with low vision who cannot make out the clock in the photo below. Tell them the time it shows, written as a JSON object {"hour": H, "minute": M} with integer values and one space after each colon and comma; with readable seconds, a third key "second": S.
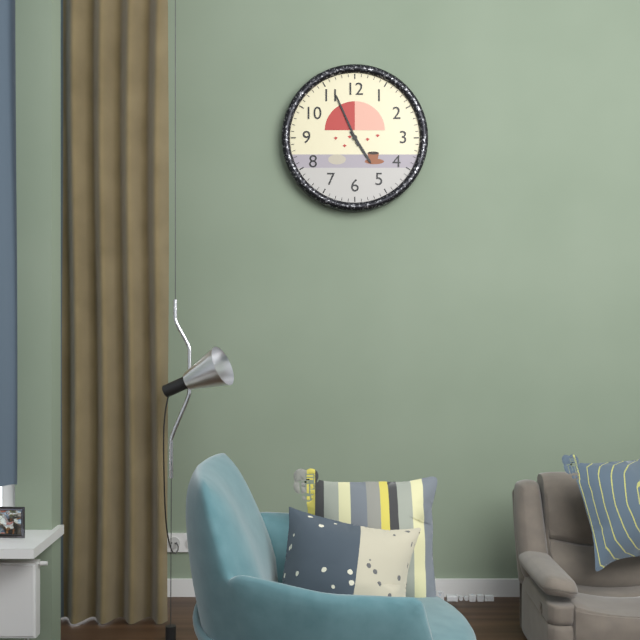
{"hour": 4, "minute": 56}
